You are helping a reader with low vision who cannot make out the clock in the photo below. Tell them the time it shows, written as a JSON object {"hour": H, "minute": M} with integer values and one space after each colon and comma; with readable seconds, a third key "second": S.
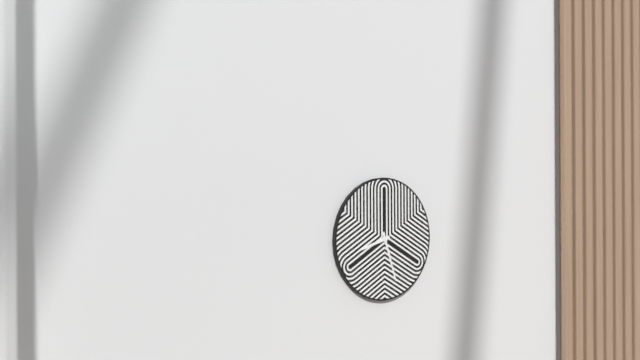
{"hour": 8, "minute": 27}
